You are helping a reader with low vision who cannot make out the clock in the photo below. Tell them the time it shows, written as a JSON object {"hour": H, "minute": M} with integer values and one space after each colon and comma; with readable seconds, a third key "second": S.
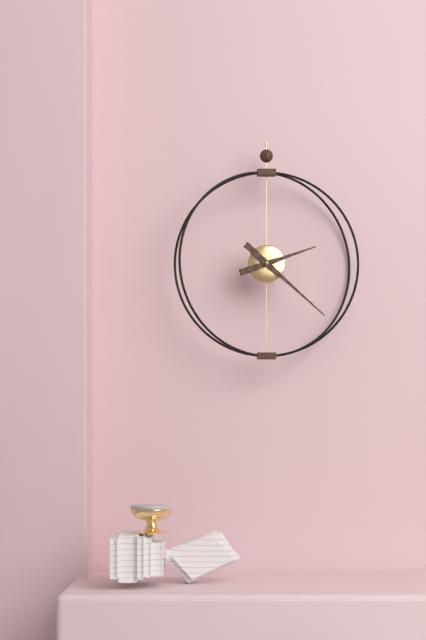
{"hour": 2, "minute": 22}
